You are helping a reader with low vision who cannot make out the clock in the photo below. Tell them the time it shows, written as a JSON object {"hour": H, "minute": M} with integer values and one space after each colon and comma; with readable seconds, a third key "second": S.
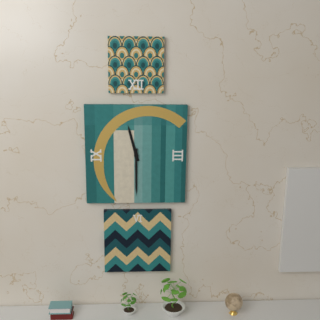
{"hour": 11, "minute": 30}
